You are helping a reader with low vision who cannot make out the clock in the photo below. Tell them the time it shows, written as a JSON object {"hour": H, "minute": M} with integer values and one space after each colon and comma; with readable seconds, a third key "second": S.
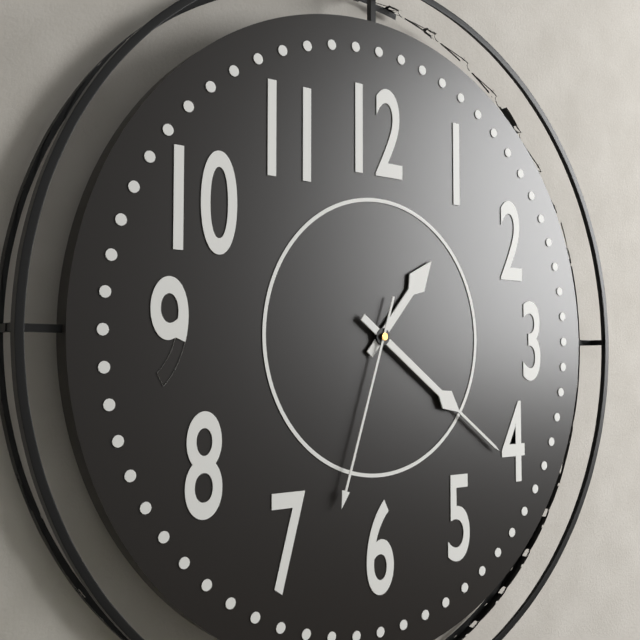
{"hour": 1, "minute": 21, "second": 33}
